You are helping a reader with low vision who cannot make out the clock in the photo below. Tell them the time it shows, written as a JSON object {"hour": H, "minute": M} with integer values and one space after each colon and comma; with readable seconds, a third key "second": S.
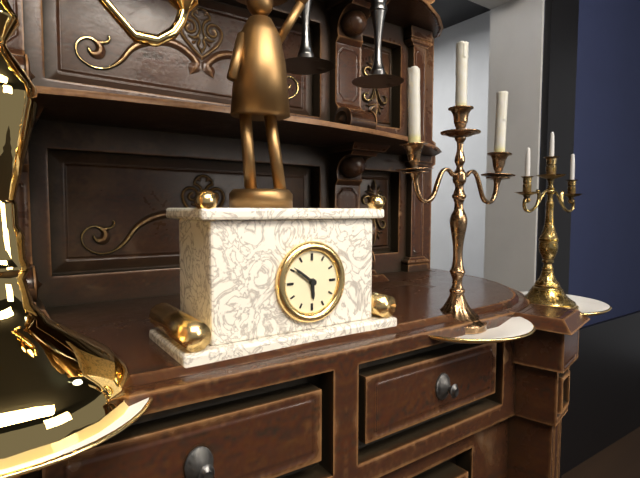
{"hour": 5, "minute": 51}
